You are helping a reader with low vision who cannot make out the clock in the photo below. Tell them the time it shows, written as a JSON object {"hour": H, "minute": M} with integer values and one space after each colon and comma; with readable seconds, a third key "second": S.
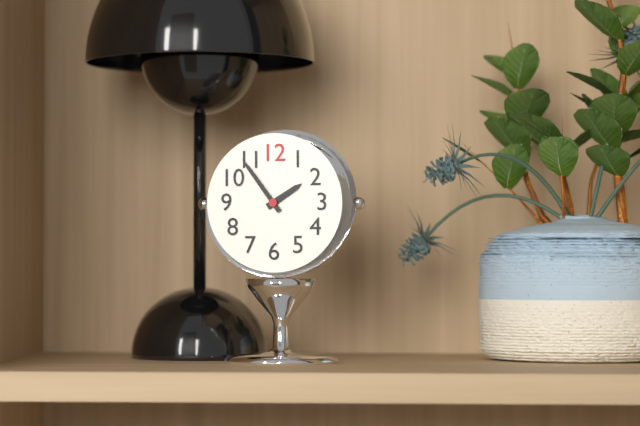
{"hour": 1, "minute": 54}
